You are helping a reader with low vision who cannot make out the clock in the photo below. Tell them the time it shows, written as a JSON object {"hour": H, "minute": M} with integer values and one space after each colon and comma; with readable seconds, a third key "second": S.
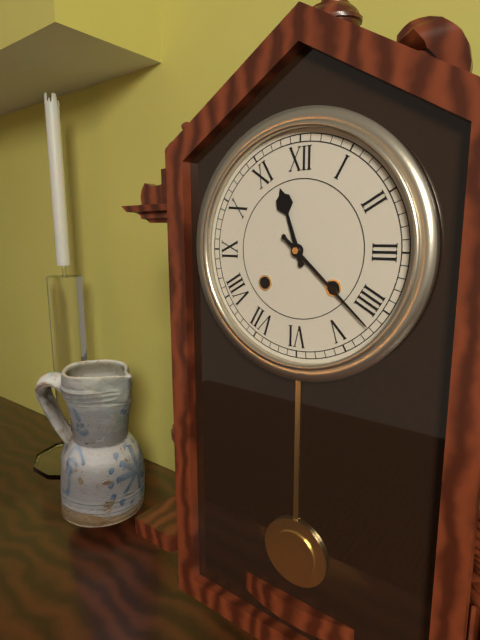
{"hour": 11, "minute": 22}
